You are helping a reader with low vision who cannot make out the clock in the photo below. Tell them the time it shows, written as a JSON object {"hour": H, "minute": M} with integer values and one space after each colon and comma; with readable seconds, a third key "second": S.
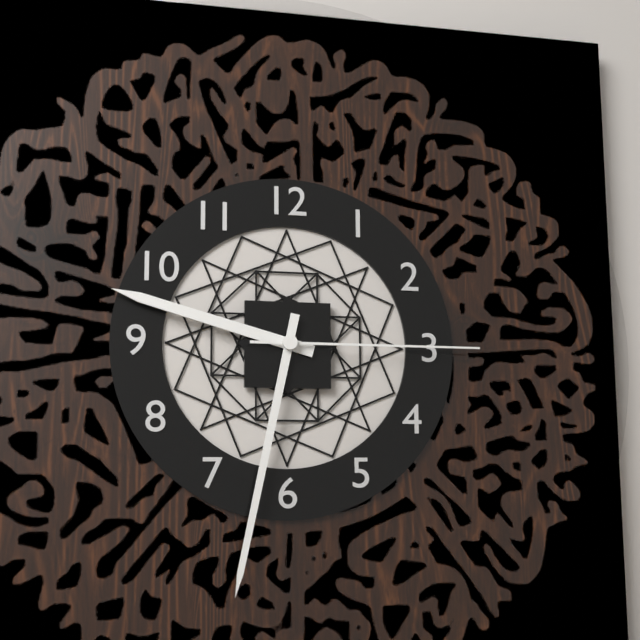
{"hour": 9, "minute": 32, "second": 15}
